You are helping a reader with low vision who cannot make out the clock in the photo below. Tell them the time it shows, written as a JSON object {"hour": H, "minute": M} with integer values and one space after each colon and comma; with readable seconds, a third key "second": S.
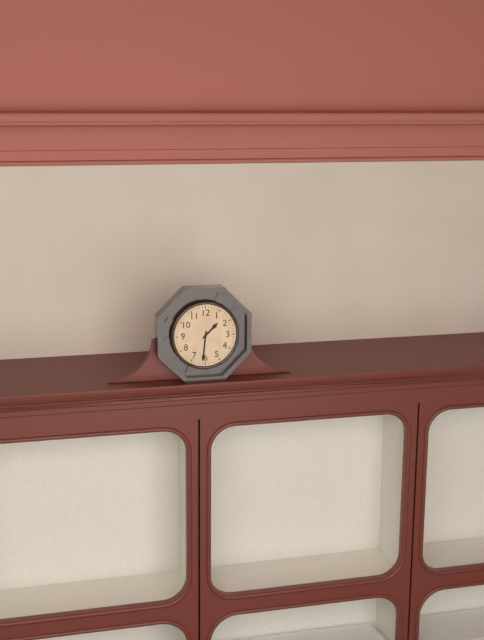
{"hour": 1, "minute": 31}
